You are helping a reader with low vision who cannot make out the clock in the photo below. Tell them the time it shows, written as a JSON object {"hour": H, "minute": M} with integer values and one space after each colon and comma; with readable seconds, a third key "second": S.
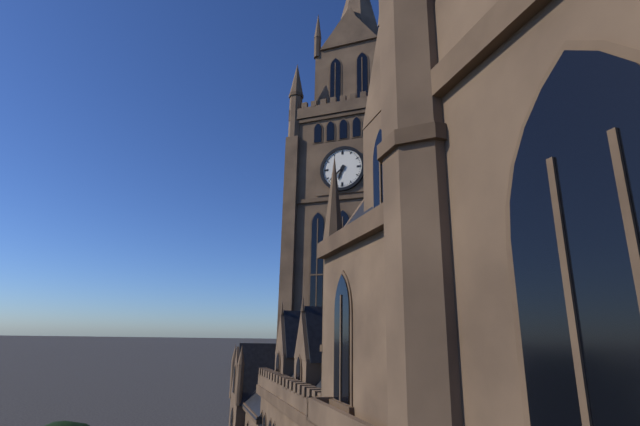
{"hour": 6, "minute": 38}
